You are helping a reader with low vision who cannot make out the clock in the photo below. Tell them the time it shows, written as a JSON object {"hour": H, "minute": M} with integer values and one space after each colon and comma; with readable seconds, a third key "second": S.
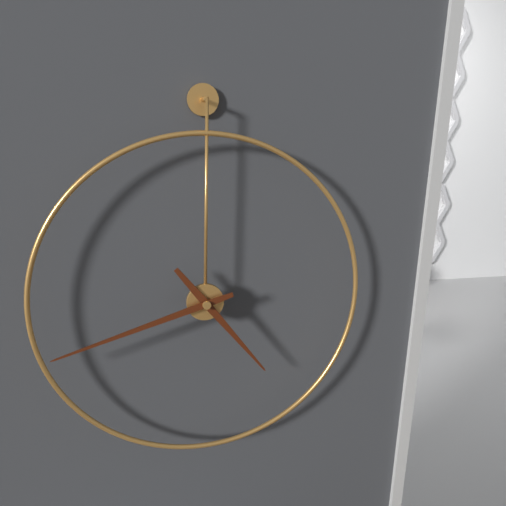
{"hour": 4, "minute": 42}
